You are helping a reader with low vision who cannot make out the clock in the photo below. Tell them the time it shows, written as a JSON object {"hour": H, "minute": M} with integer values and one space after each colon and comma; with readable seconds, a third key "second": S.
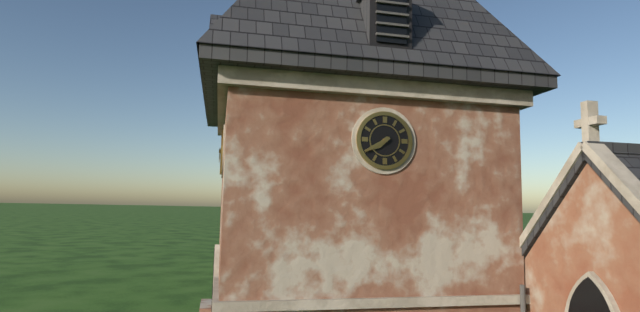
{"hour": 7, "minute": 40}
